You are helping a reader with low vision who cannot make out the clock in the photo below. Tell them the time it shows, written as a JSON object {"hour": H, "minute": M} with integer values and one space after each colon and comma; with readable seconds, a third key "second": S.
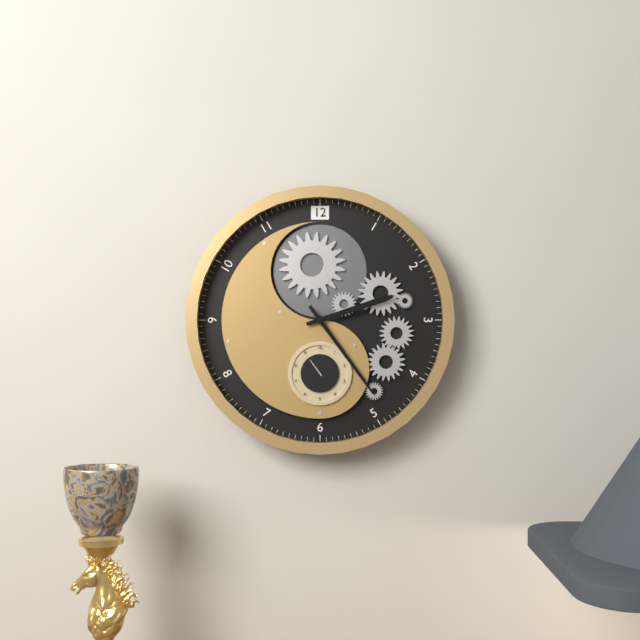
{"hour": 2, "minute": 24}
